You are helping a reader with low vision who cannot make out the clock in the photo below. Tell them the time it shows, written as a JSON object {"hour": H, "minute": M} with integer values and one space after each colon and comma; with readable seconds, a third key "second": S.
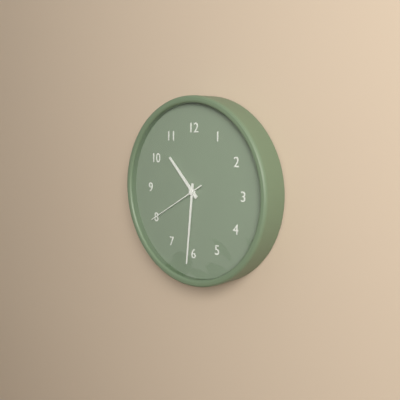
{"hour": 10, "minute": 31, "second": 40}
